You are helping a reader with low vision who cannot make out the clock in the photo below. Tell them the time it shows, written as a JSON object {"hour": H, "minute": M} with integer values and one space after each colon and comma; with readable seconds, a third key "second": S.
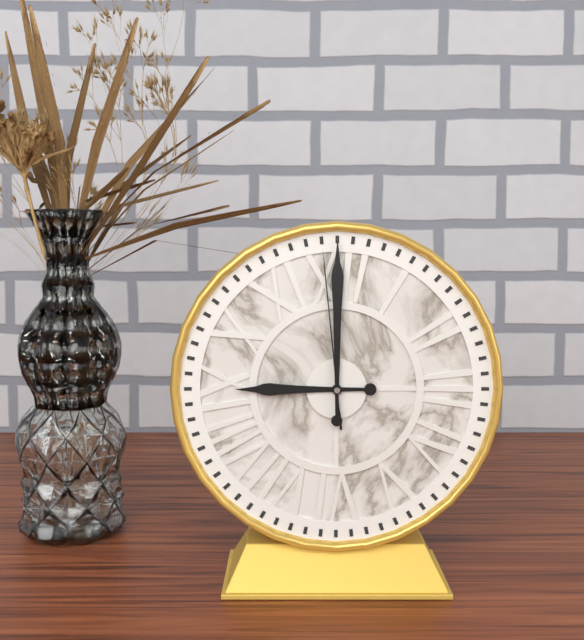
{"hour": 9, "minute": 0, "second": 59}
